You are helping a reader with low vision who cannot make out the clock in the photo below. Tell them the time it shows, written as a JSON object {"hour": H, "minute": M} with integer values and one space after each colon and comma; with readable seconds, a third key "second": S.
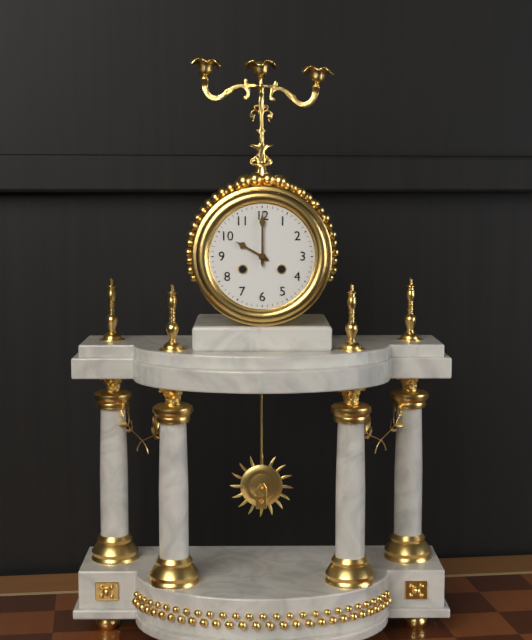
{"hour": 10, "minute": 0}
